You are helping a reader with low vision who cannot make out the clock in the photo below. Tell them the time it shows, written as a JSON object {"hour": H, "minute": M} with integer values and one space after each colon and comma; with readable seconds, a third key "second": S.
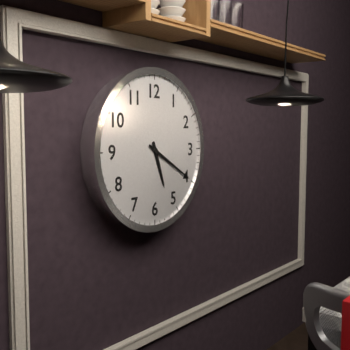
{"hour": 5, "minute": 20}
